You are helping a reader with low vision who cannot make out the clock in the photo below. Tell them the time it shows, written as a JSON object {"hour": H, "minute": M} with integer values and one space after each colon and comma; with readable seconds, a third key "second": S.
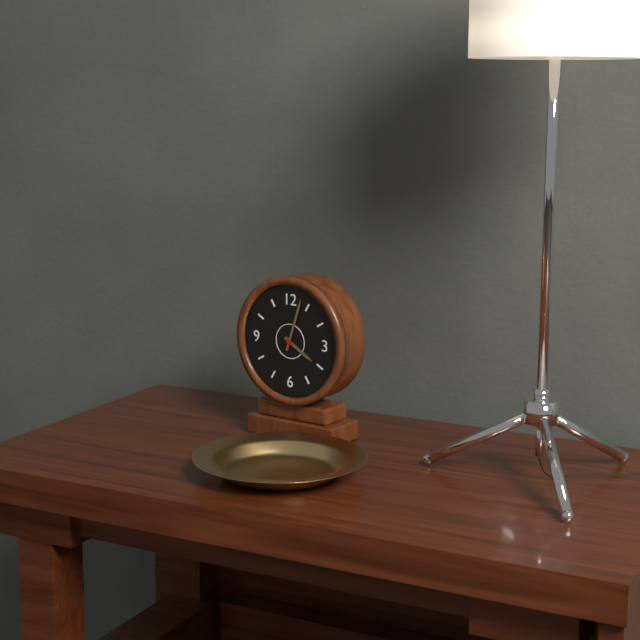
{"hour": 4, "minute": 3}
